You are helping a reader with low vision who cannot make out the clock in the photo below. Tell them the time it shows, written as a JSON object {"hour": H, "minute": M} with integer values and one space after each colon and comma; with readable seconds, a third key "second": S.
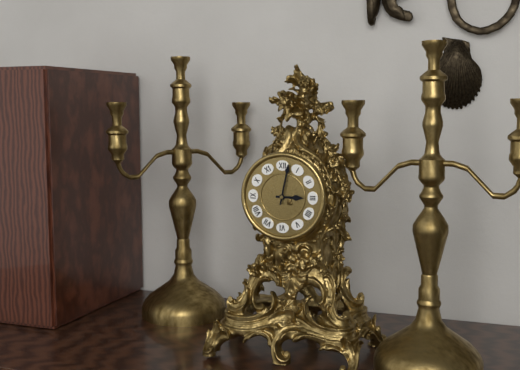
{"hour": 3, "minute": 2}
